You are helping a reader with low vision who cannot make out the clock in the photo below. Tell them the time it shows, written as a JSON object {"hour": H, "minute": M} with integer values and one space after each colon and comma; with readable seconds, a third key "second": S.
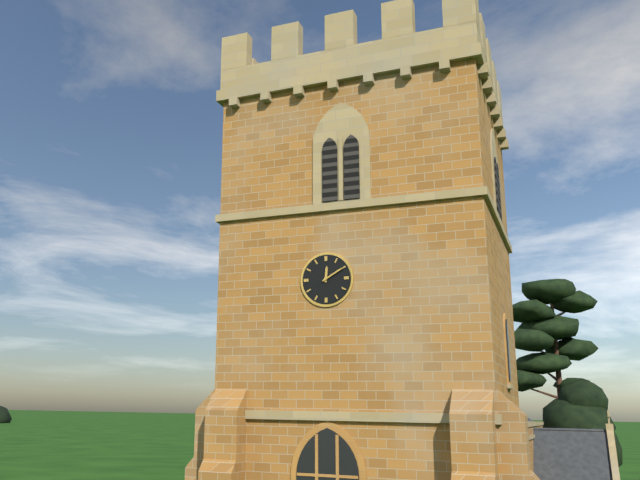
{"hour": 12, "minute": 10}
